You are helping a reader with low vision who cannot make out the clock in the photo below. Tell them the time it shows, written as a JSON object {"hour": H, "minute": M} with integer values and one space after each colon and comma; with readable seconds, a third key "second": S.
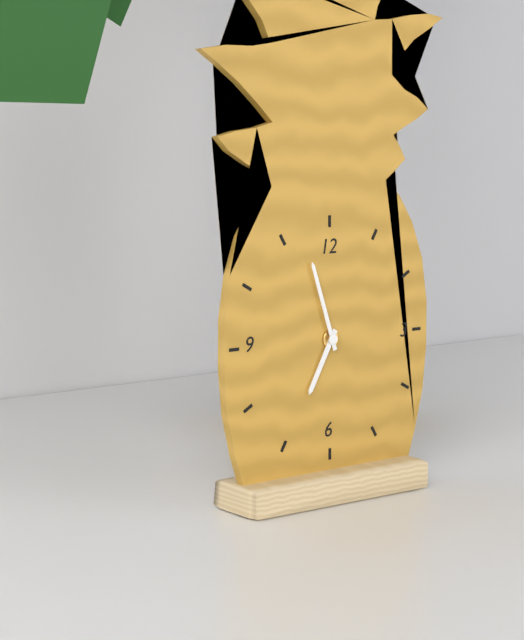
{"hour": 6, "minute": 57}
